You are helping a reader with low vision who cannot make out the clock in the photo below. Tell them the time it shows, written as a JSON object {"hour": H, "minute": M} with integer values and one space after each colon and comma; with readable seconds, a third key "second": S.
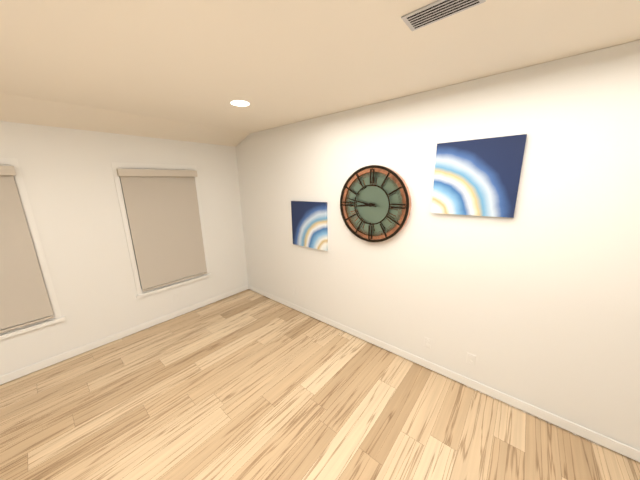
{"hour": 8, "minute": 47}
